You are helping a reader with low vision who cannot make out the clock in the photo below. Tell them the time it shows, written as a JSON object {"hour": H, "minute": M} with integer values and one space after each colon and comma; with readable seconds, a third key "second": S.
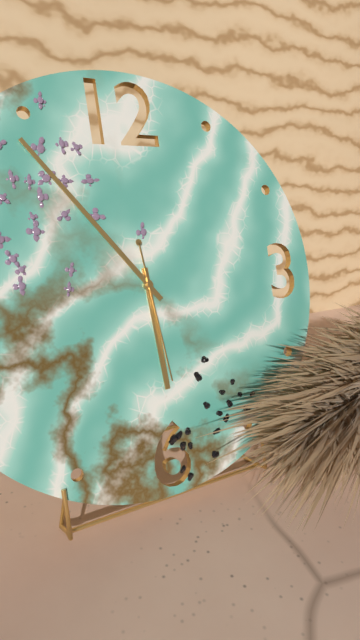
{"hour": 5, "minute": 54, "second": 29}
